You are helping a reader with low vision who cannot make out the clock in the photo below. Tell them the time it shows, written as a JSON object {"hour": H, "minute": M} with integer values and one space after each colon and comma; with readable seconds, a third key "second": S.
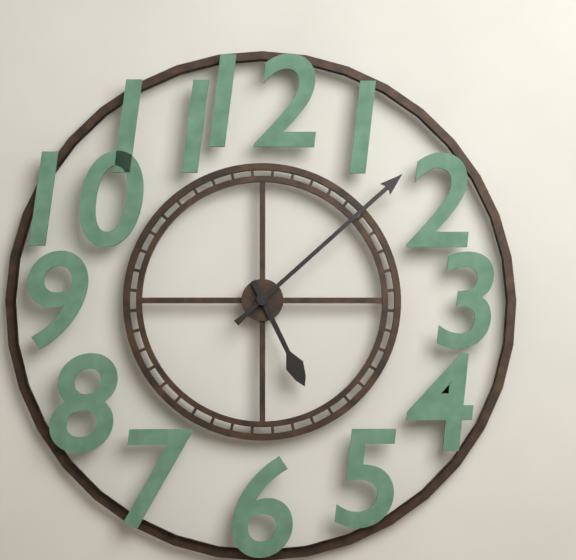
{"hour": 5, "minute": 8}
